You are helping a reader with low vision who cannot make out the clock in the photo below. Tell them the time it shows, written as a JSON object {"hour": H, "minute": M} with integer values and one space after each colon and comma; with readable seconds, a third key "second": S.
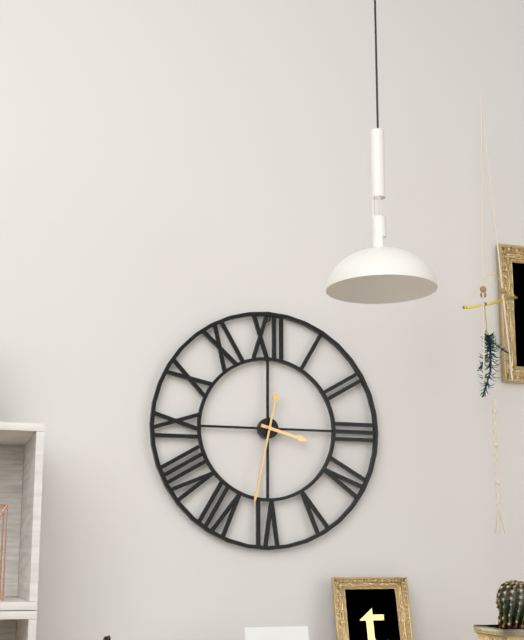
{"hour": 3, "minute": 32}
